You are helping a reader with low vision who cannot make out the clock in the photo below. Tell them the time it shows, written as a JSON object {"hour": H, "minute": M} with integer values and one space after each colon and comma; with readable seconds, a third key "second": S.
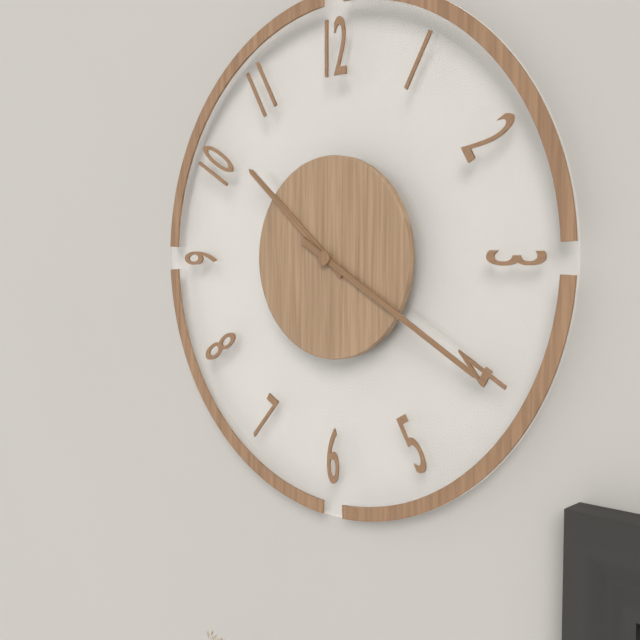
{"hour": 10, "minute": 20}
